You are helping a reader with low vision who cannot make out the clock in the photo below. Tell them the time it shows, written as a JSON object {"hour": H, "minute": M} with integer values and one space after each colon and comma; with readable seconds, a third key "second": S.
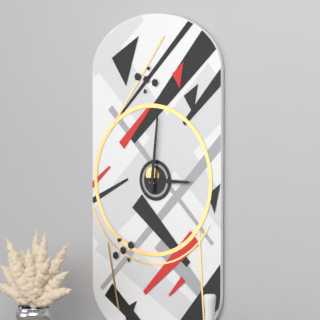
{"hour": 3, "minute": 1}
